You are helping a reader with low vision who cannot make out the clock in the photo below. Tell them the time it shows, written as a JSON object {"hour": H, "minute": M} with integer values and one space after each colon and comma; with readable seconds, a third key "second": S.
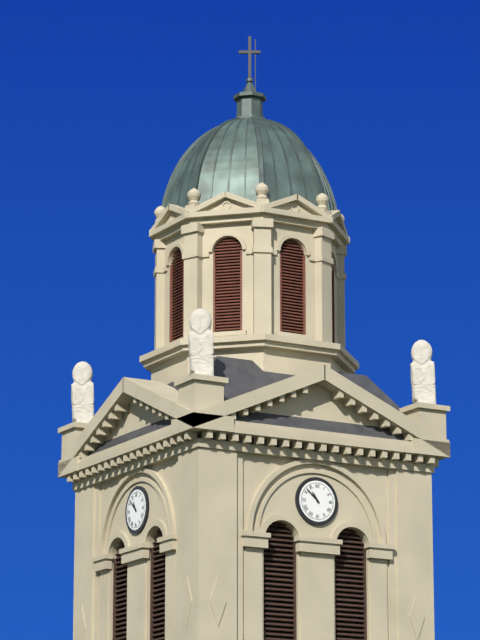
{"hour": 10, "minute": 52}
